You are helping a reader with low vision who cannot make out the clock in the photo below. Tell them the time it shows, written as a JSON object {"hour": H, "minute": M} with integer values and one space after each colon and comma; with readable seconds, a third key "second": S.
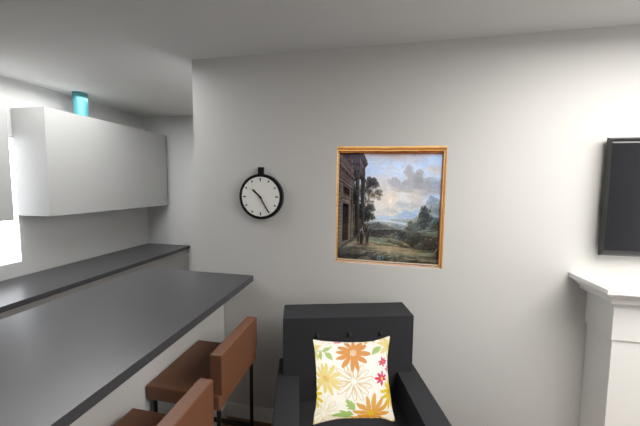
{"hour": 10, "minute": 25}
